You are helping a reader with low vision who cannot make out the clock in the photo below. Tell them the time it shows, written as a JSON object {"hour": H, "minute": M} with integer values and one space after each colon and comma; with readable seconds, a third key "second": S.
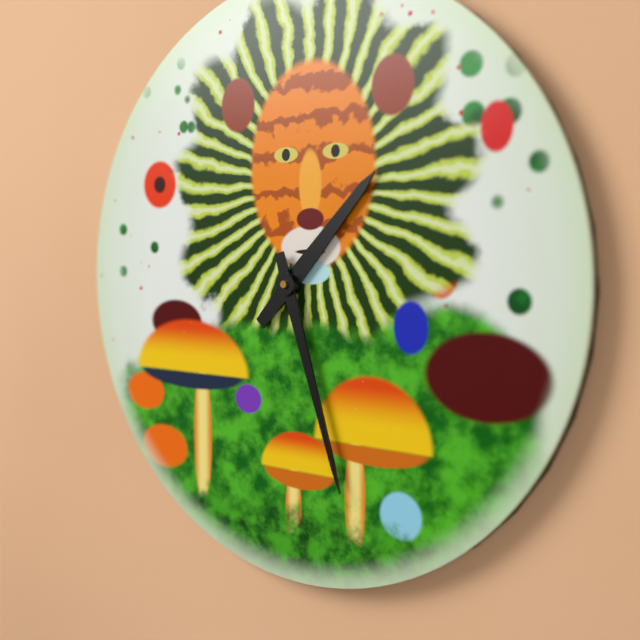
{"hour": 1, "minute": 27}
